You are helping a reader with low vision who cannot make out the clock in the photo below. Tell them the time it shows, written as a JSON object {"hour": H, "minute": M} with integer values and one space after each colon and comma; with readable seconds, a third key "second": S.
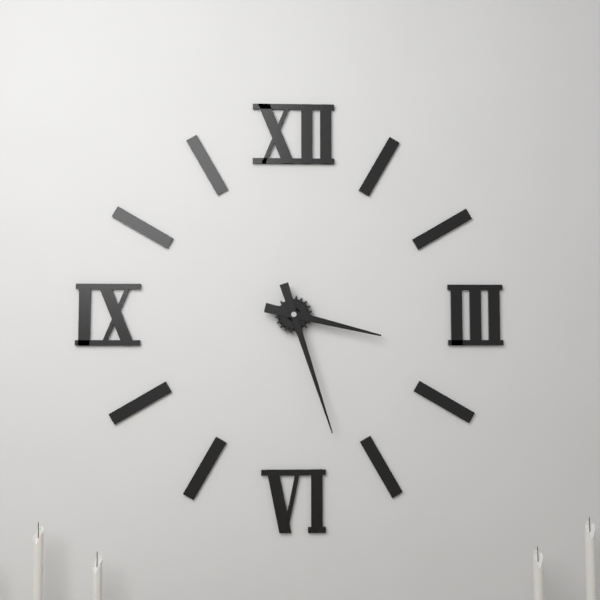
{"hour": 3, "minute": 27}
